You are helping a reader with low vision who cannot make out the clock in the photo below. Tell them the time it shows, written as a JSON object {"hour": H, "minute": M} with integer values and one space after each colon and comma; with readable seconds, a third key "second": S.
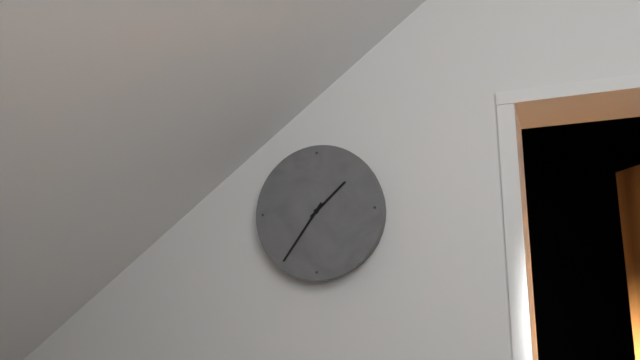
{"hour": 1, "minute": 36}
